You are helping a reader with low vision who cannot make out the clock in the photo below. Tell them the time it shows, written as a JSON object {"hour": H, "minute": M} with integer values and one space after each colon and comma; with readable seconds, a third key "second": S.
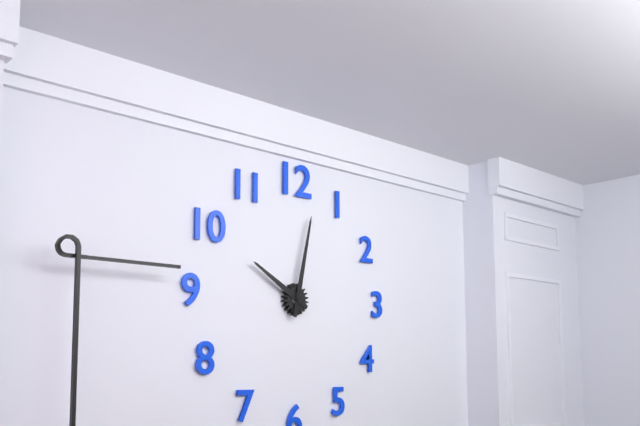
{"hour": 10, "minute": 2}
